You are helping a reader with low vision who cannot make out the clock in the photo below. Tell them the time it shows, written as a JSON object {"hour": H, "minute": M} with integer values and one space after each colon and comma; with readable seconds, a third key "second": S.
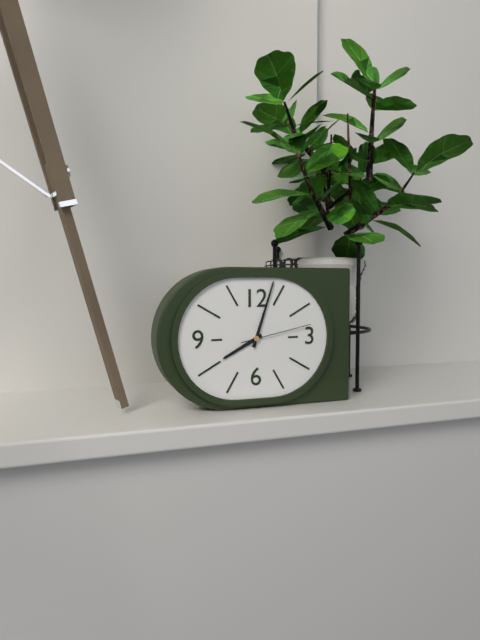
{"hour": 8, "minute": 3, "second": 13}
